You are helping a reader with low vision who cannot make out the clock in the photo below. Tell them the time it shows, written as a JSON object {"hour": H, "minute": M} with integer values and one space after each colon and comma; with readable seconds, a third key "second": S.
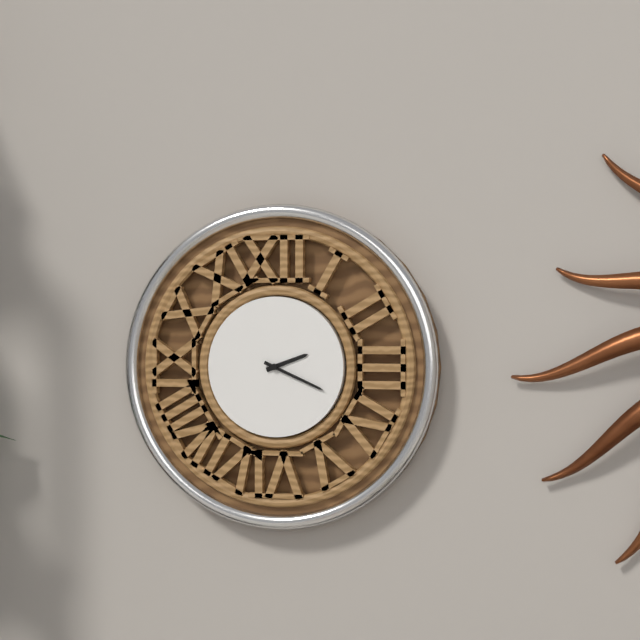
{"hour": 2, "minute": 19}
